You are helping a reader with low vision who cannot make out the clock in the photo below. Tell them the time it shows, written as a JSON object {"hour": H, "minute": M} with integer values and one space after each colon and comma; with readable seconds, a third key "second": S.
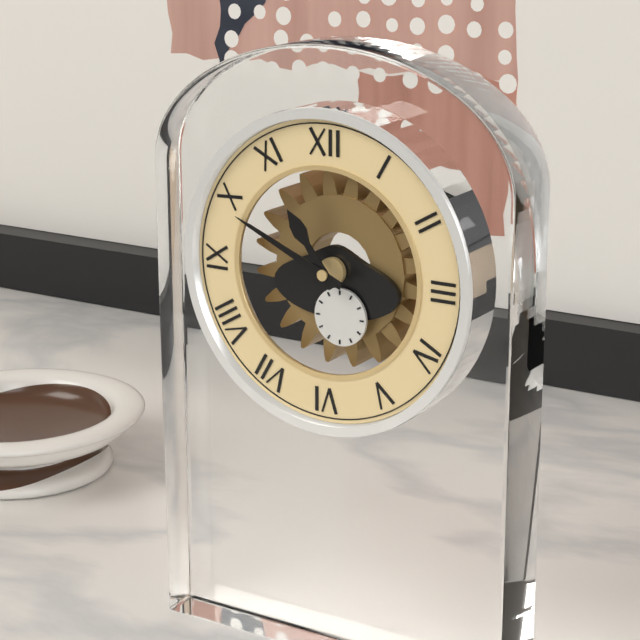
{"hour": 10, "minute": 49}
